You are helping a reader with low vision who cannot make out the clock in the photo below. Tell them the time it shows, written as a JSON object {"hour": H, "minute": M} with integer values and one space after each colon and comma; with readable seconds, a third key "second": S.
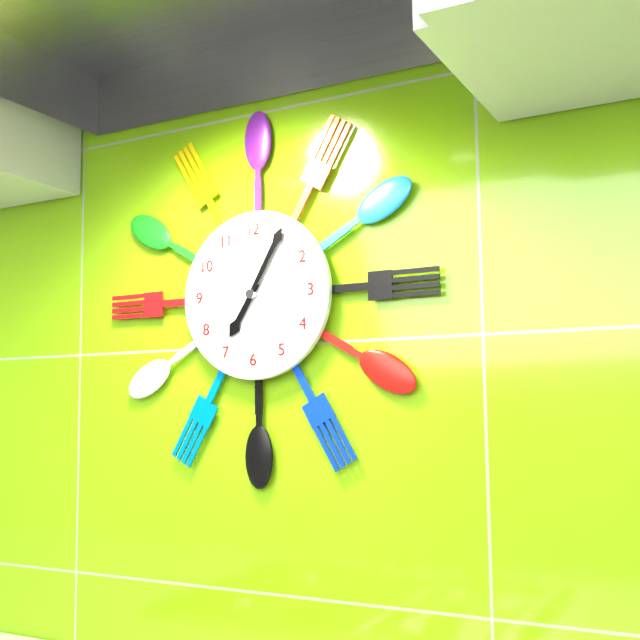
{"hour": 7, "minute": 5}
